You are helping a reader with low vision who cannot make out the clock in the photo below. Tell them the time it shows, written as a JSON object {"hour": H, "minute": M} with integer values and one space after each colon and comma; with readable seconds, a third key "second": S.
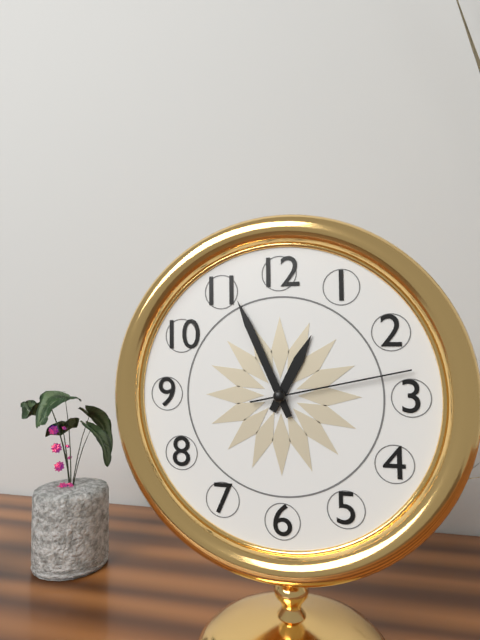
{"hour": 12, "minute": 56, "second": 13}
